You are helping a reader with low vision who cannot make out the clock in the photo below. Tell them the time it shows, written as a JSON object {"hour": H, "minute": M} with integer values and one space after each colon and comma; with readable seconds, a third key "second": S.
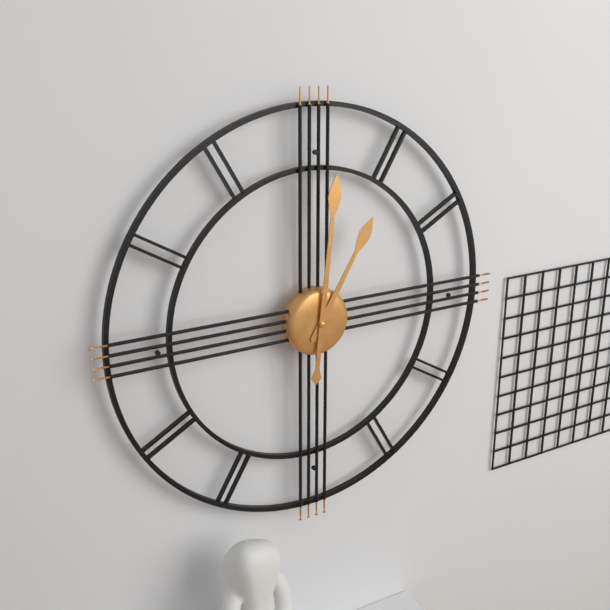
{"hour": 1, "minute": 1}
